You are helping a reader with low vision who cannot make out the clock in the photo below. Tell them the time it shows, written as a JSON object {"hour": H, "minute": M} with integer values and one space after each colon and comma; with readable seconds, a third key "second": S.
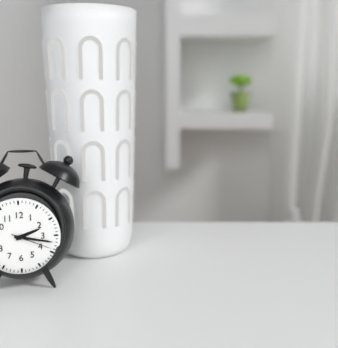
{"hour": 2, "minute": 17}
